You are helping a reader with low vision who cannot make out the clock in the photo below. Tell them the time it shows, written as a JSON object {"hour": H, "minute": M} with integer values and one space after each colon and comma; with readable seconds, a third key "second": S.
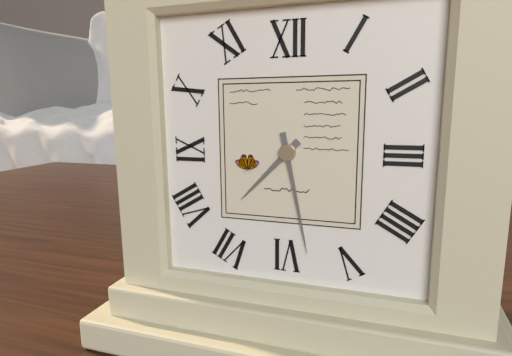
{"hour": 7, "minute": 28}
